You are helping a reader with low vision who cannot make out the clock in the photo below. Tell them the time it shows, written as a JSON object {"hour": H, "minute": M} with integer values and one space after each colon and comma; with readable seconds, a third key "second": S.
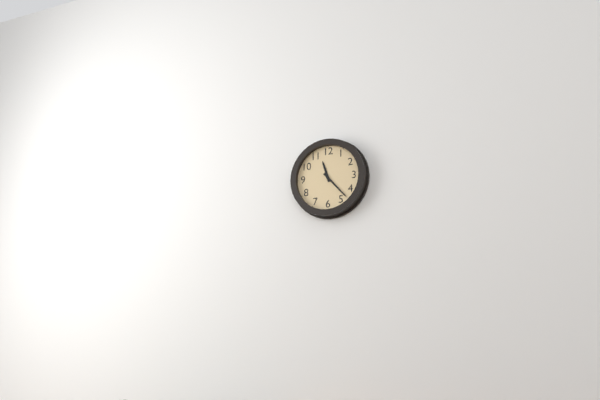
{"hour": 11, "minute": 23}
